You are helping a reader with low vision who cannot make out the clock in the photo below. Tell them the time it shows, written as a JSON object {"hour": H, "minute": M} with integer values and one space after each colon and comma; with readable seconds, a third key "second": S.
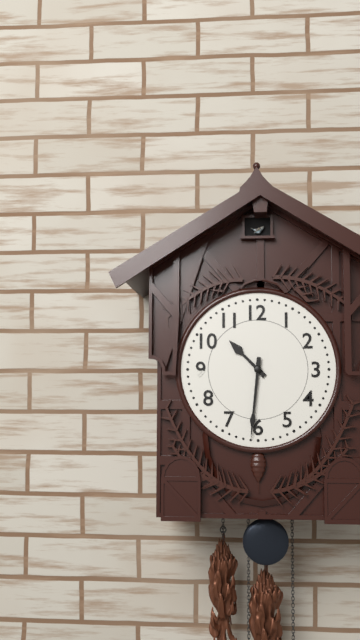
{"hour": 10, "minute": 31}
